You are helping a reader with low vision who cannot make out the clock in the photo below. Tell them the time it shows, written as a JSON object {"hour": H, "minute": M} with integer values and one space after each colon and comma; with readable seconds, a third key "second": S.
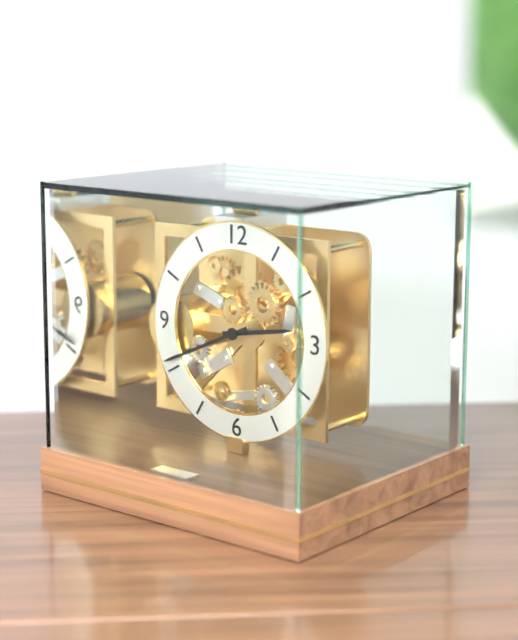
{"hour": 2, "minute": 41}
